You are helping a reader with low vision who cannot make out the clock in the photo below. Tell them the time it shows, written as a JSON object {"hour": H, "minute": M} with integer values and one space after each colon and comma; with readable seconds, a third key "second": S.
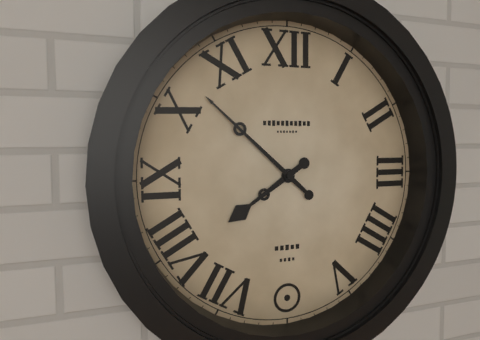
{"hour": 7, "minute": 52}
